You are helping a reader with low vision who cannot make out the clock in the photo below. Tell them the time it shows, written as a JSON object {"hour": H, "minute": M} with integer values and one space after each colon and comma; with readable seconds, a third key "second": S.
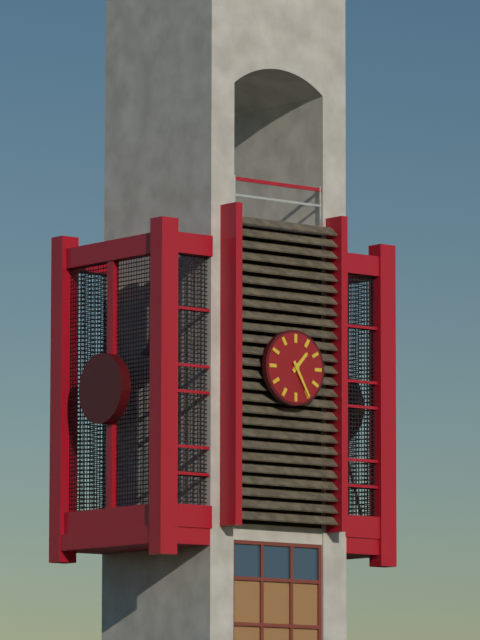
{"hour": 1, "minute": 25}
